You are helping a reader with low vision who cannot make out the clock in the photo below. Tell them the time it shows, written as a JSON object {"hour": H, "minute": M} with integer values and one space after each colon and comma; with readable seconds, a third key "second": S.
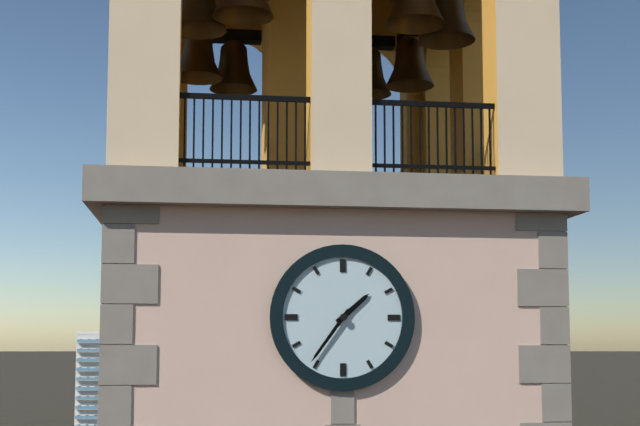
{"hour": 1, "minute": 36}
